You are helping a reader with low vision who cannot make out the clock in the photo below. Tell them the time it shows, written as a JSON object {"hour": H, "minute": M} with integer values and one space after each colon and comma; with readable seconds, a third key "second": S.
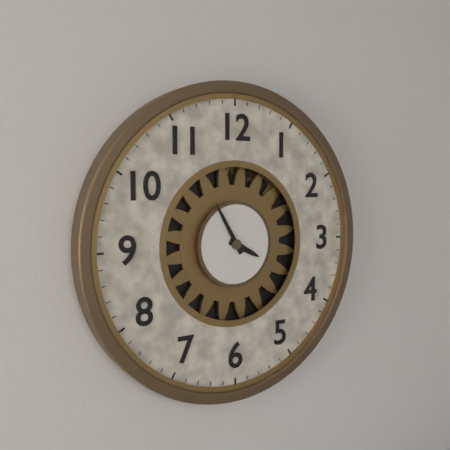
{"hour": 3, "minute": 55}
